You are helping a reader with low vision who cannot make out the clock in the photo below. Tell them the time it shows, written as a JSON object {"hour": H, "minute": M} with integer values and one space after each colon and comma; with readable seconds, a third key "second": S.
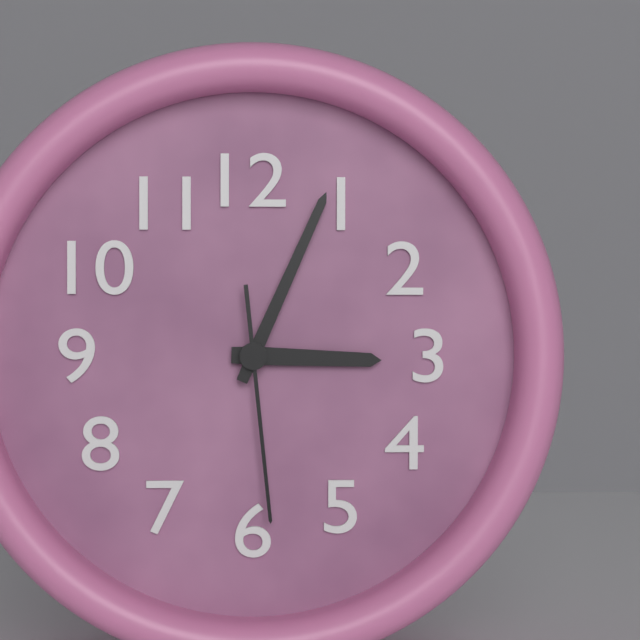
{"hour": 3, "minute": 4, "second": 29}
